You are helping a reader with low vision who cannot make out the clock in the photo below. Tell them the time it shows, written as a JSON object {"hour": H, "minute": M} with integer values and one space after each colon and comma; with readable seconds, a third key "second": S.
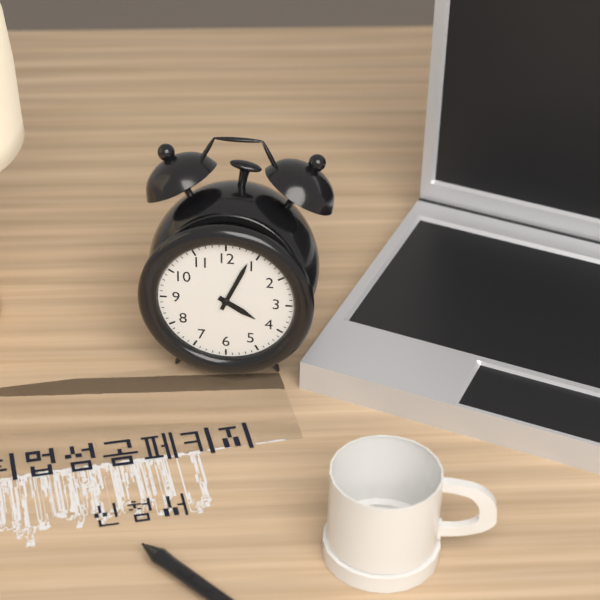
{"hour": 4, "minute": 4}
